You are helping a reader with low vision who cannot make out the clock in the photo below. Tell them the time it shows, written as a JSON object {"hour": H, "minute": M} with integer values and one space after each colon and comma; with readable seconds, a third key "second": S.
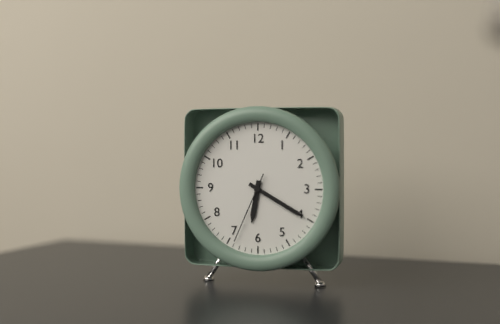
{"hour": 6, "minute": 20, "second": 34}
